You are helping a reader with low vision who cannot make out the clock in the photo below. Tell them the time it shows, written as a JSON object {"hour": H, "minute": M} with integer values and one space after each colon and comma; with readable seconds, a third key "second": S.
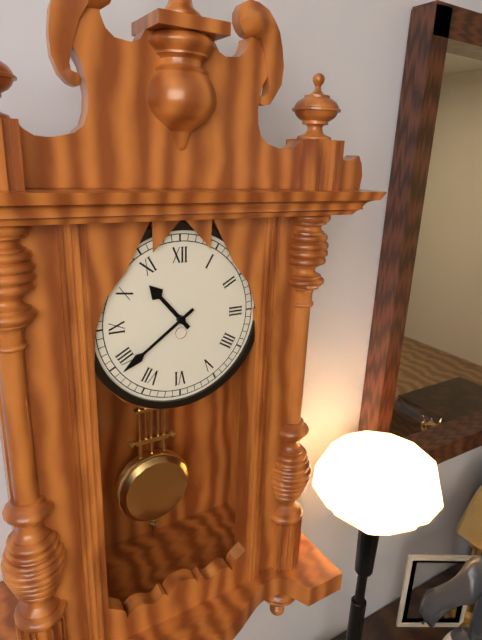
{"hour": 10, "minute": 39}
